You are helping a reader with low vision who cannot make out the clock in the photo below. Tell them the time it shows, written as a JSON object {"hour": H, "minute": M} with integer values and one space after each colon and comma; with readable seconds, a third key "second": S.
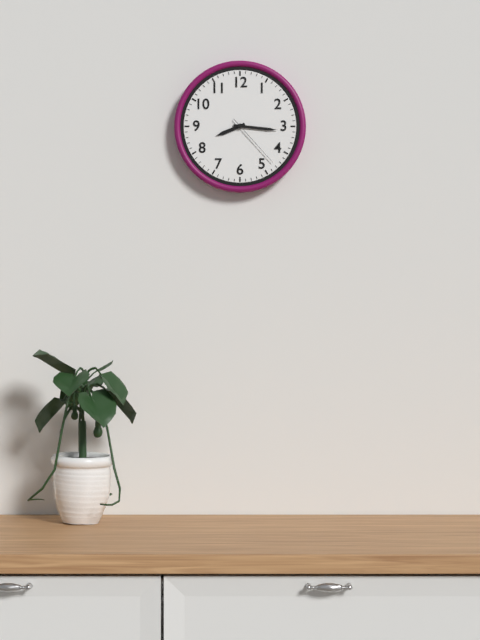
{"hour": 8, "minute": 16, "second": 23}
